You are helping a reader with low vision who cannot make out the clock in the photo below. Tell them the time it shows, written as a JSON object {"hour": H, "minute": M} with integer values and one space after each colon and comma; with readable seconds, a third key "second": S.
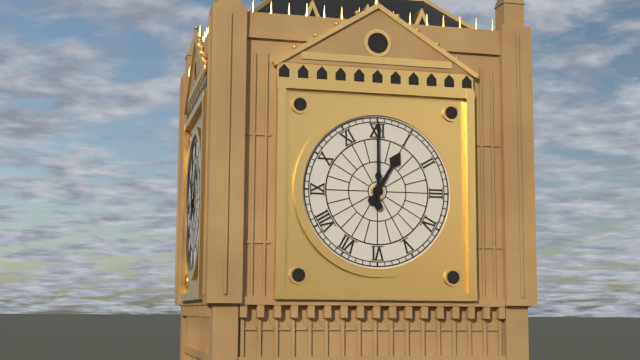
{"hour": 1, "minute": 0}
